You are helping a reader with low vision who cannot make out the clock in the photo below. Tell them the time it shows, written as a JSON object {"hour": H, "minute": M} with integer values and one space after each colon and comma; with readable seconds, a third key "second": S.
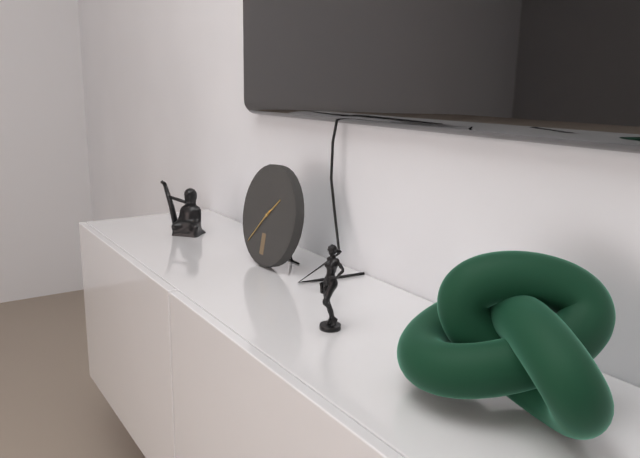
{"hour": 1, "minute": 37}
